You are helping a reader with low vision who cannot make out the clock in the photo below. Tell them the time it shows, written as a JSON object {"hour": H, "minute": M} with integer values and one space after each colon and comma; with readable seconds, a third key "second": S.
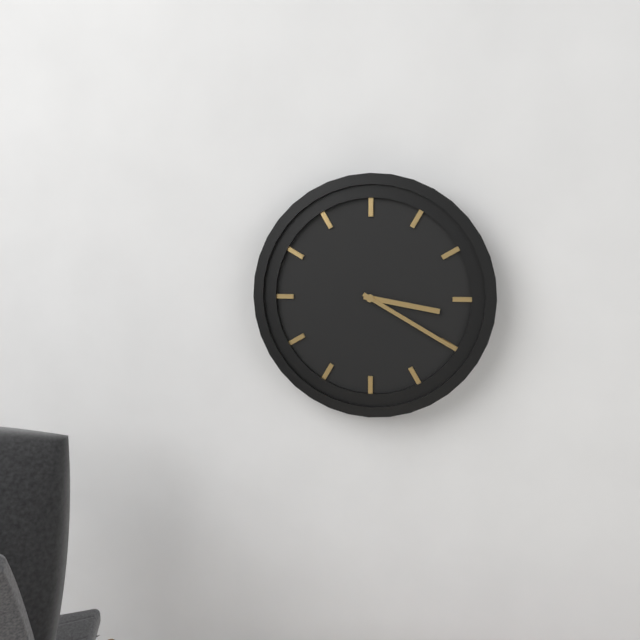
{"hour": 3, "minute": 20}
